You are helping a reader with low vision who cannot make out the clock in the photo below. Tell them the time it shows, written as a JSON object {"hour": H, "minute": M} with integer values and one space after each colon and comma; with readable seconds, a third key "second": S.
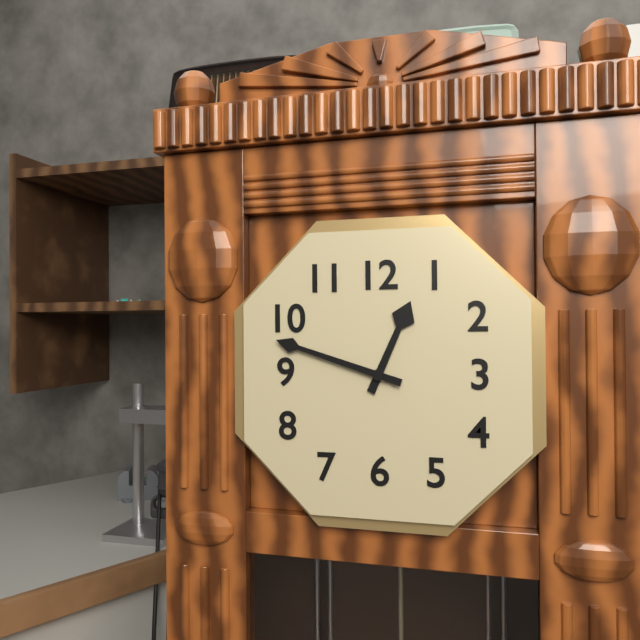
{"hour": 12, "minute": 48}
